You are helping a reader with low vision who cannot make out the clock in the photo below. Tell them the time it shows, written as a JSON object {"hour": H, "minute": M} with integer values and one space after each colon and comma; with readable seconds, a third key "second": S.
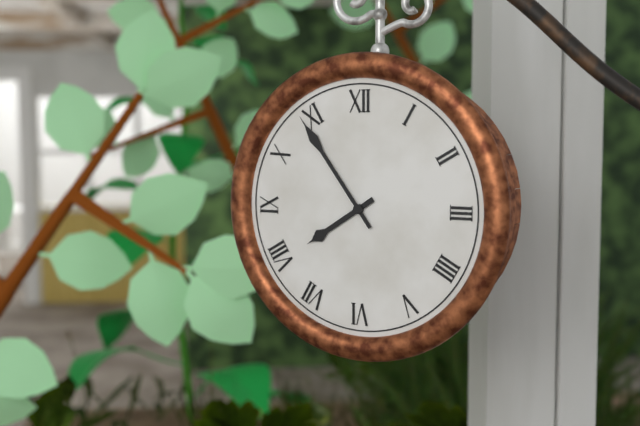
{"hour": 7, "minute": 54}
